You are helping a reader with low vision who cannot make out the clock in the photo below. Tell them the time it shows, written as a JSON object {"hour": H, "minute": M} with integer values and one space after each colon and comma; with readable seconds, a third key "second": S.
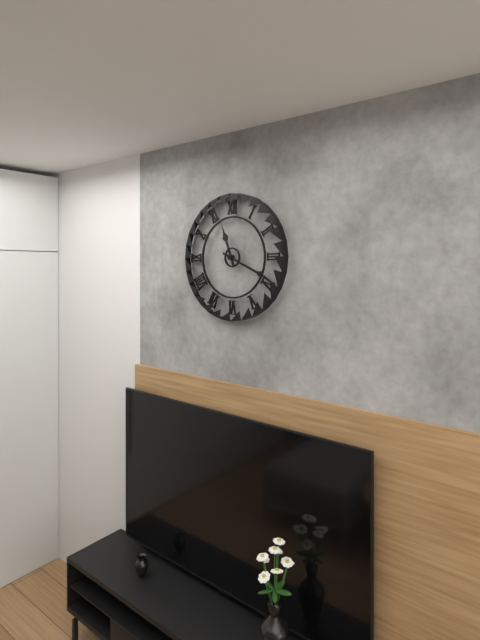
{"hour": 11, "minute": 19}
